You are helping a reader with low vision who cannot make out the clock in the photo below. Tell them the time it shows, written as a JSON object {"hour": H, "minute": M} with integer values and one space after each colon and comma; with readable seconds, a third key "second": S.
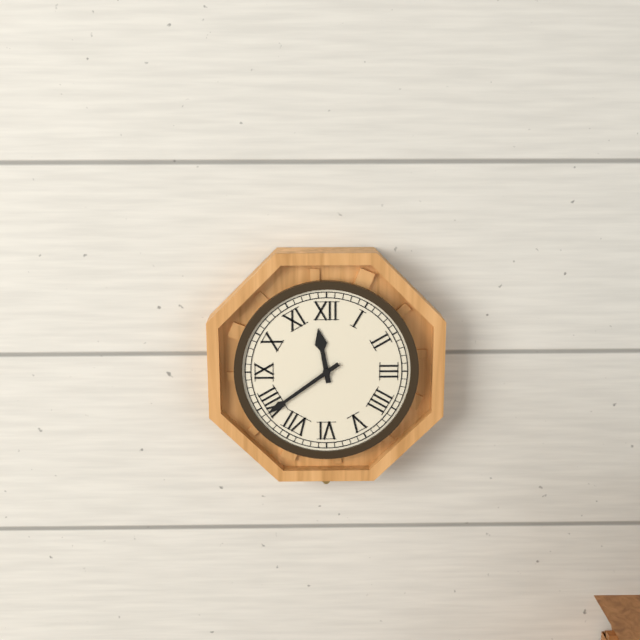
{"hour": 11, "minute": 39}
